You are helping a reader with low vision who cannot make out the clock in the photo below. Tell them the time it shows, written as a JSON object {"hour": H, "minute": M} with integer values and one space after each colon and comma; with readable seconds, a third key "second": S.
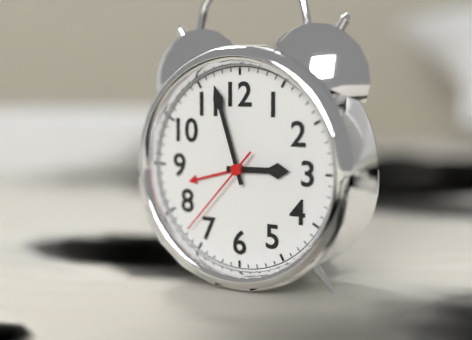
{"hour": 2, "minute": 57, "second": 37}
